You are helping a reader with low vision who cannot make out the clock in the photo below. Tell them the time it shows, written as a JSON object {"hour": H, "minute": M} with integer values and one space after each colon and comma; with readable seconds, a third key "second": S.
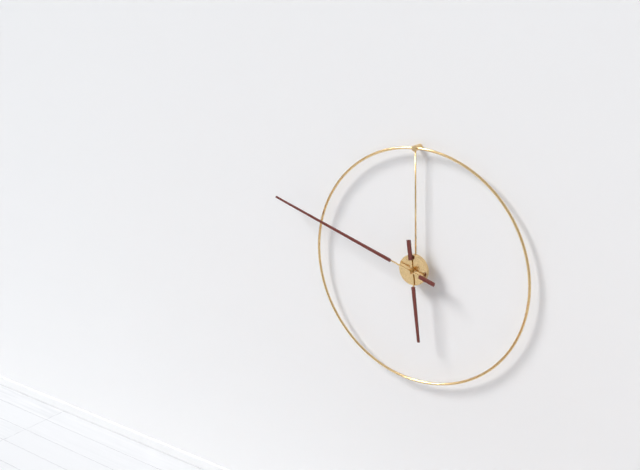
{"hour": 5, "minute": 48}
